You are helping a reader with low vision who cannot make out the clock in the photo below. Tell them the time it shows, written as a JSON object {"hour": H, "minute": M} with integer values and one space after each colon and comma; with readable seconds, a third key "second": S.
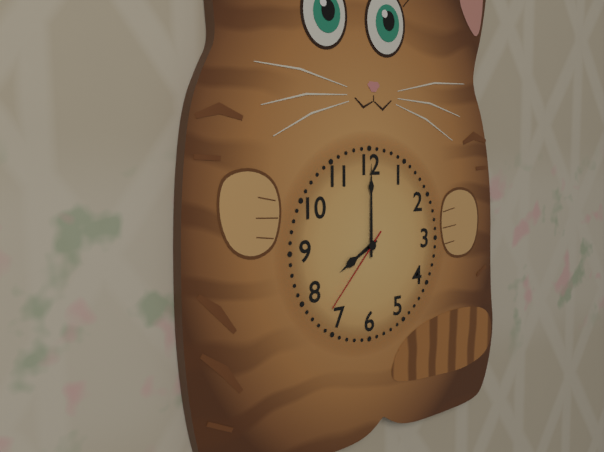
{"hour": 8, "minute": 0, "second": 37}
